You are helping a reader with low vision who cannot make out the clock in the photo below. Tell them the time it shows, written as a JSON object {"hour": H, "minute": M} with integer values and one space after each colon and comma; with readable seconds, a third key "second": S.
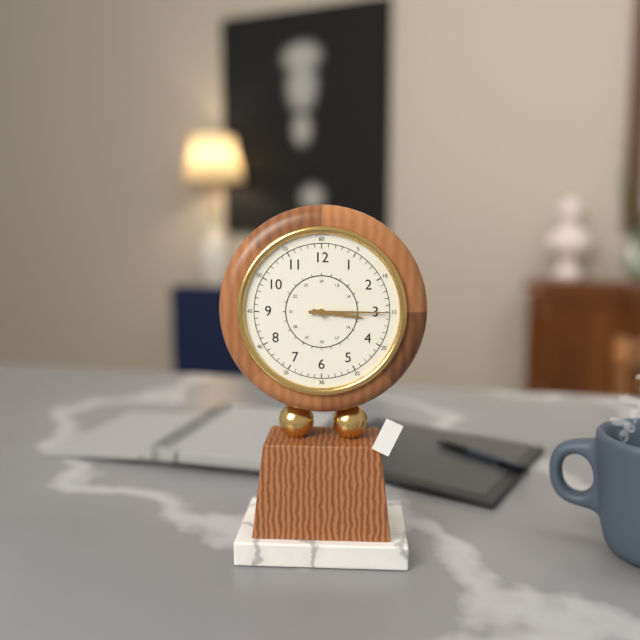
{"hour": 3, "minute": 15}
